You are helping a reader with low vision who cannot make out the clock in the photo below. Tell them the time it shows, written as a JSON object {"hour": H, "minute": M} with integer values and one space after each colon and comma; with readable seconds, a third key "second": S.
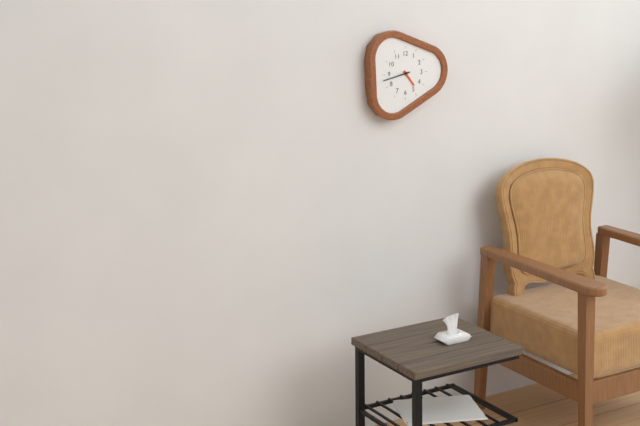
{"hour": 4, "minute": 43}
